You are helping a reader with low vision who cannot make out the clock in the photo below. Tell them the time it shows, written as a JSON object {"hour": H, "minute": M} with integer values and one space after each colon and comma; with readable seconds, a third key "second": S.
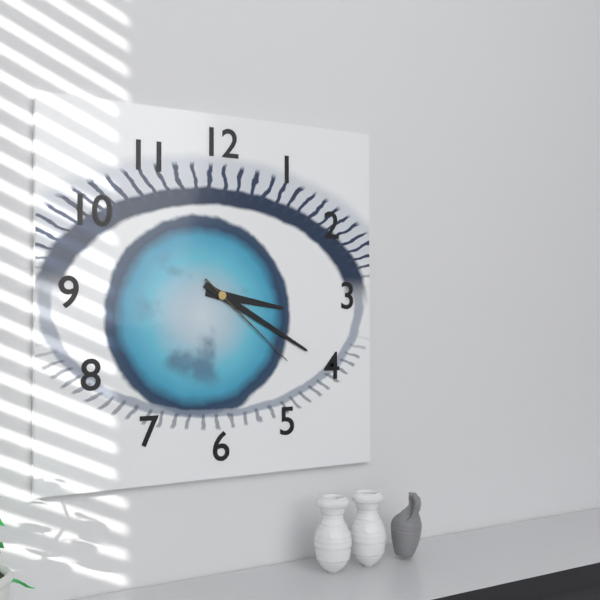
{"hour": 3, "minute": 20, "second": 22}
